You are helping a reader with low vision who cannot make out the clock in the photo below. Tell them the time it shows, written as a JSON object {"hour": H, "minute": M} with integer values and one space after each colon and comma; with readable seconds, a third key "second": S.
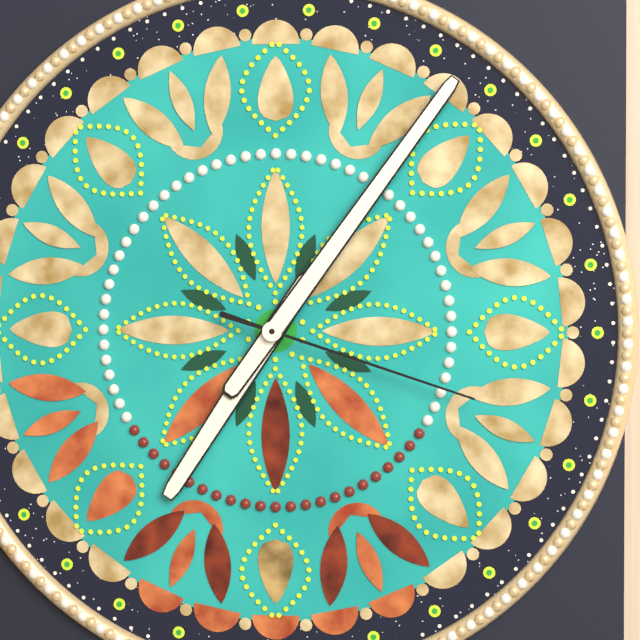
{"hour": 7, "minute": 6, "second": 18}
